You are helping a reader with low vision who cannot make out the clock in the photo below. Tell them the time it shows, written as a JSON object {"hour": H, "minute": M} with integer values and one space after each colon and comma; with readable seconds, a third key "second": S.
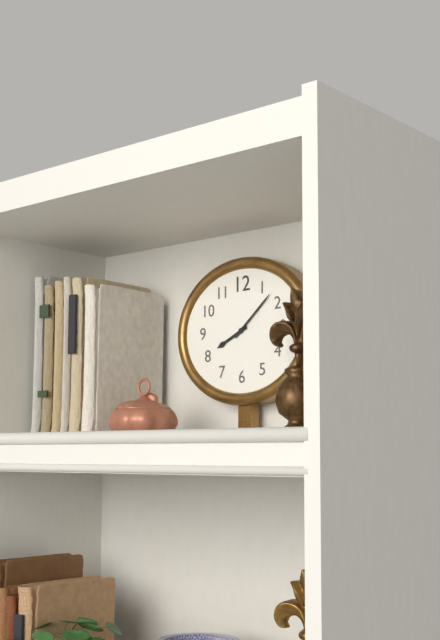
{"hour": 8, "minute": 8}
